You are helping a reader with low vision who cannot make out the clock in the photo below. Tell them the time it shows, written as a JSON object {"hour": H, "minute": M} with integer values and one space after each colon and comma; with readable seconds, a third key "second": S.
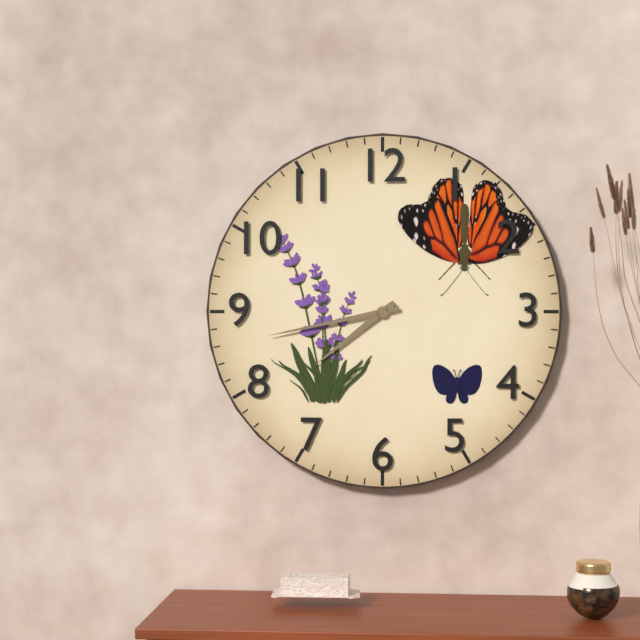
{"hour": 7, "minute": 43}
